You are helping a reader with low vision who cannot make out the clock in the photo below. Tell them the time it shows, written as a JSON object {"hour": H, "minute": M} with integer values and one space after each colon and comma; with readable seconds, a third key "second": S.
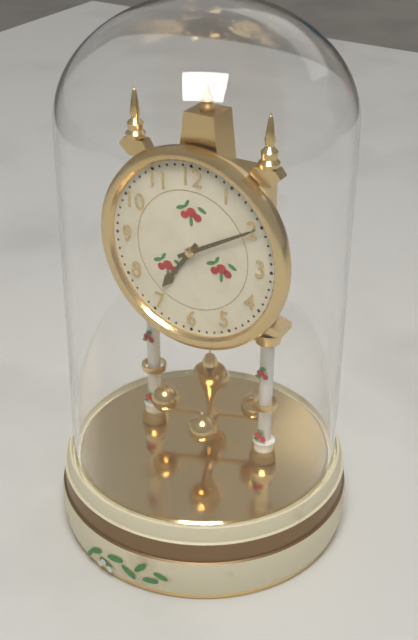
{"hour": 7, "minute": 10}
